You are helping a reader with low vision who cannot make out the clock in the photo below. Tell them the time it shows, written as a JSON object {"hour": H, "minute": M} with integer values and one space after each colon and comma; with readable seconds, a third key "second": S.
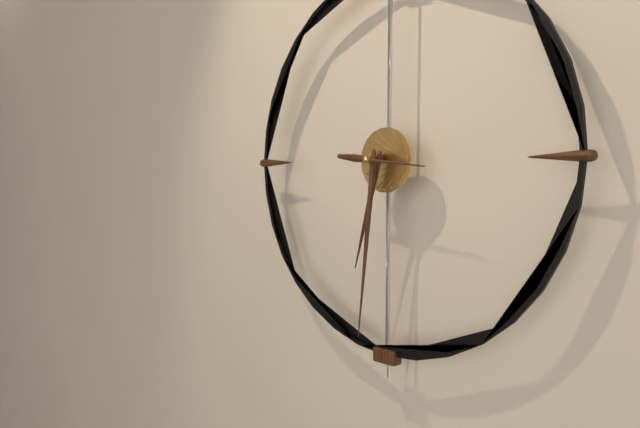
{"hour": 6, "minute": 31, "second": 16}
